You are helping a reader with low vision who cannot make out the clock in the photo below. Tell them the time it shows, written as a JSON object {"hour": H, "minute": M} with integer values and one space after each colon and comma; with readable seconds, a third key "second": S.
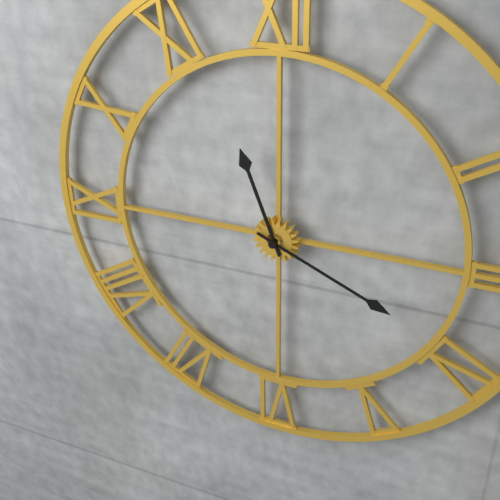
{"hour": 11, "minute": 19}
